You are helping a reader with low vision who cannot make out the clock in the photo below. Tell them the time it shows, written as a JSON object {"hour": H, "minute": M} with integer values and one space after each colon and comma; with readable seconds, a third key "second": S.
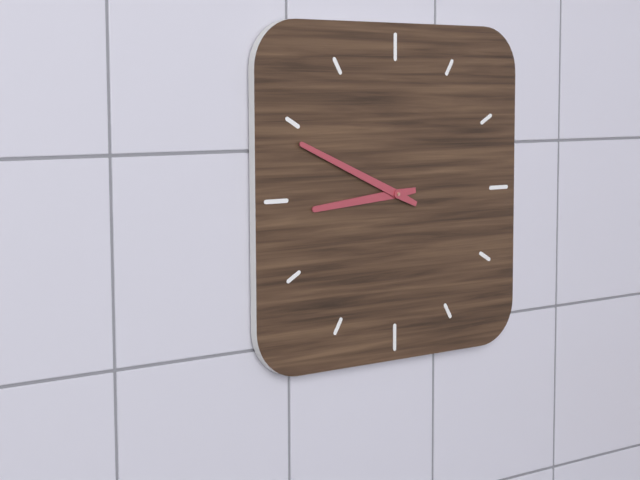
{"hour": 8, "minute": 49}
